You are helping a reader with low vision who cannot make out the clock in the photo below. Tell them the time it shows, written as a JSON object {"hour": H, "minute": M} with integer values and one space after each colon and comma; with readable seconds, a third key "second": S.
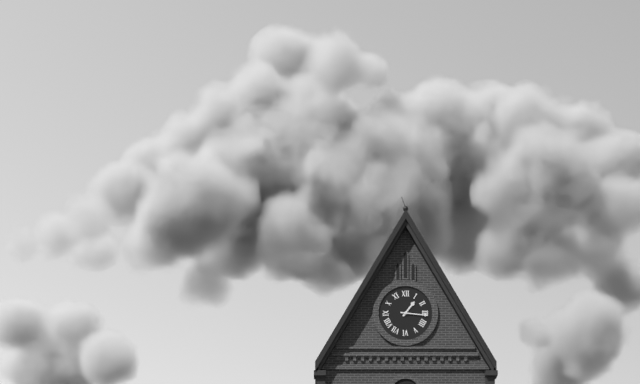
{"hour": 1, "minute": 16}
